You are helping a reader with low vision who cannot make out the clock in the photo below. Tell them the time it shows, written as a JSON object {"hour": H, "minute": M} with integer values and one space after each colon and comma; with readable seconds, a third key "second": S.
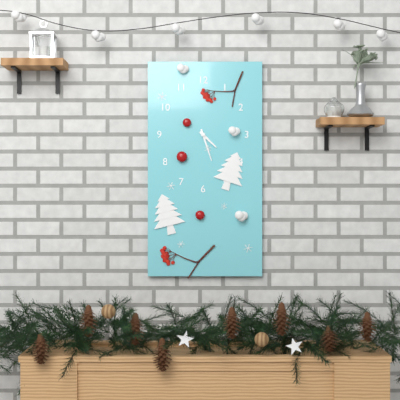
{"hour": 4, "minute": 27}
